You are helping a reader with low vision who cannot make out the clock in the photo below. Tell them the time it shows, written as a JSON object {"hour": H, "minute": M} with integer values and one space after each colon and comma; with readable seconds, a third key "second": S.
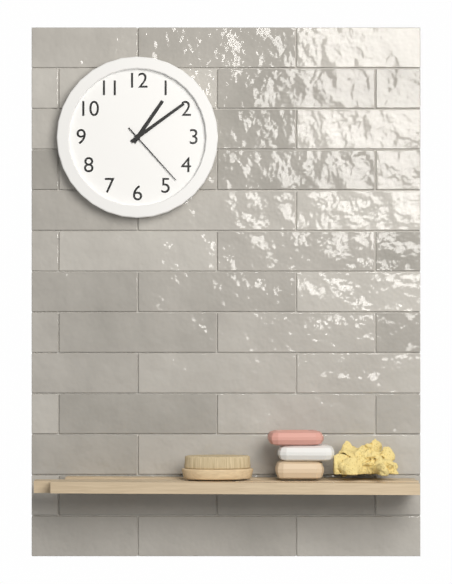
{"hour": 1, "minute": 9, "second": 23}
